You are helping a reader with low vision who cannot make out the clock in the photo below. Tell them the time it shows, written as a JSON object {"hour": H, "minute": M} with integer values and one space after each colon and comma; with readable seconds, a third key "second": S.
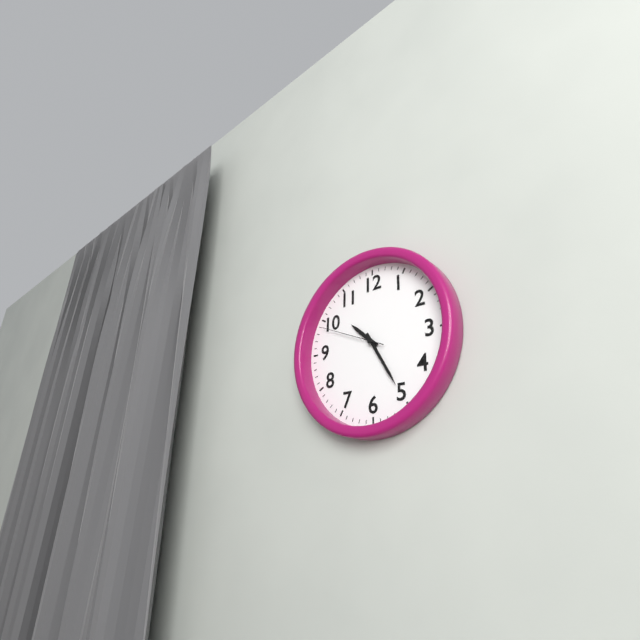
{"hour": 10, "minute": 25, "second": 49}
